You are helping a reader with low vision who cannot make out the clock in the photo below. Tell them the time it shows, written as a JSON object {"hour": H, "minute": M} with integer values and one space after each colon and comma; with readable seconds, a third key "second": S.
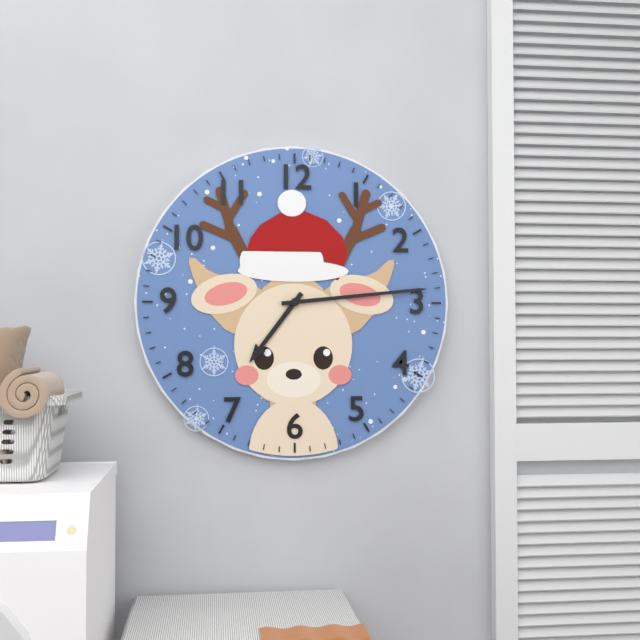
{"hour": 7, "minute": 14}
